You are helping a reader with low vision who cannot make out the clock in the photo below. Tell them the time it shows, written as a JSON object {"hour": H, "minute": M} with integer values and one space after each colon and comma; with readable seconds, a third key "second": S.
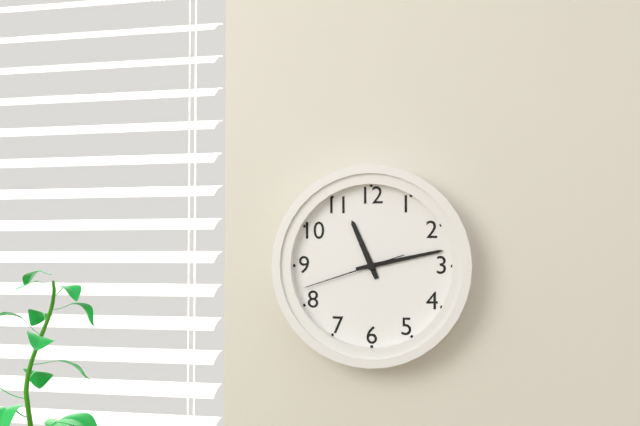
{"hour": 11, "minute": 13, "second": 42}
